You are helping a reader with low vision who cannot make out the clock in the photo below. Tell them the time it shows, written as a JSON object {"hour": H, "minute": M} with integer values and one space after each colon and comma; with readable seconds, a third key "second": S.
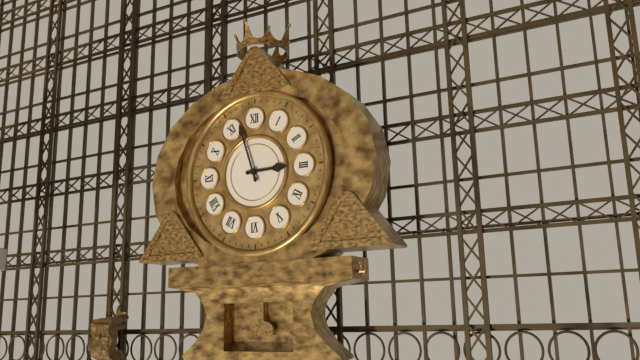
{"hour": 2, "minute": 57}
